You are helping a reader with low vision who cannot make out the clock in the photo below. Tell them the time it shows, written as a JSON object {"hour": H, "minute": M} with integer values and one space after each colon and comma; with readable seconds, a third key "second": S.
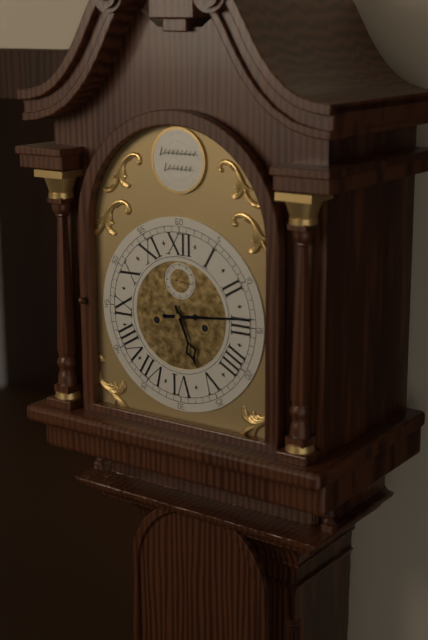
{"hour": 5, "minute": 14, "second": 16}
